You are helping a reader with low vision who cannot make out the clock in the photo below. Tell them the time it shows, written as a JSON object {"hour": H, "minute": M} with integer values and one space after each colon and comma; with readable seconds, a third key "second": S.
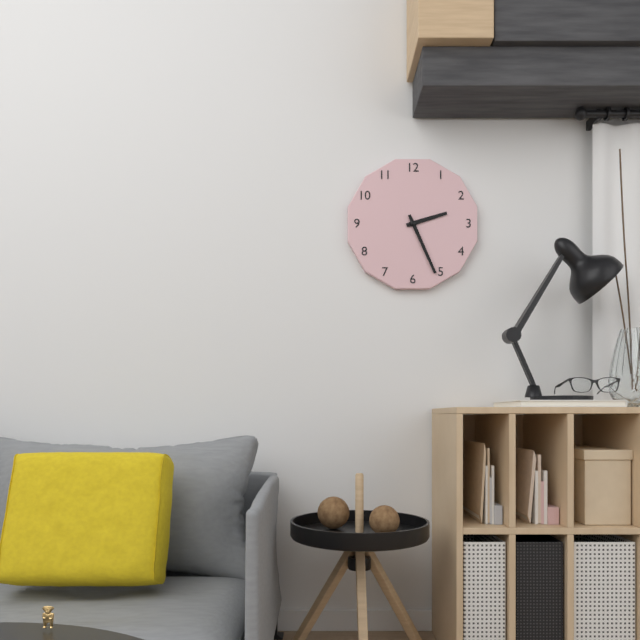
{"hour": 2, "minute": 26}
